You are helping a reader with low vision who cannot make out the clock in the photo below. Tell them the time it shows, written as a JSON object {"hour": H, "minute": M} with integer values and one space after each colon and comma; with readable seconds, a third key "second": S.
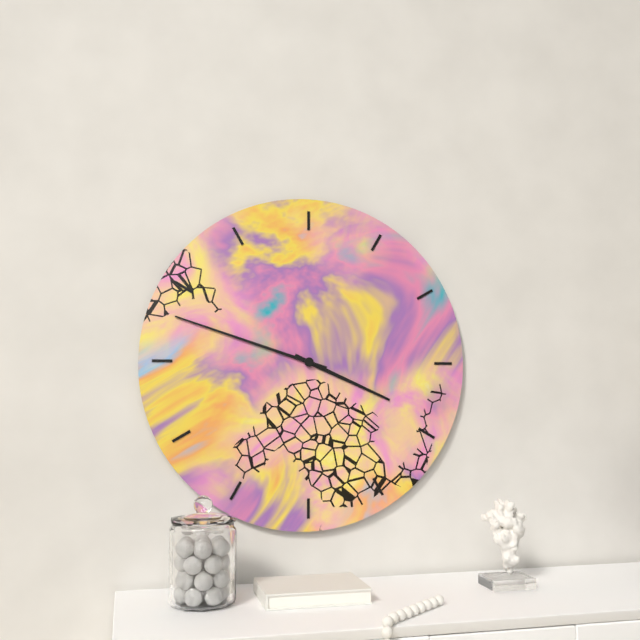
{"hour": 3, "minute": 48}
